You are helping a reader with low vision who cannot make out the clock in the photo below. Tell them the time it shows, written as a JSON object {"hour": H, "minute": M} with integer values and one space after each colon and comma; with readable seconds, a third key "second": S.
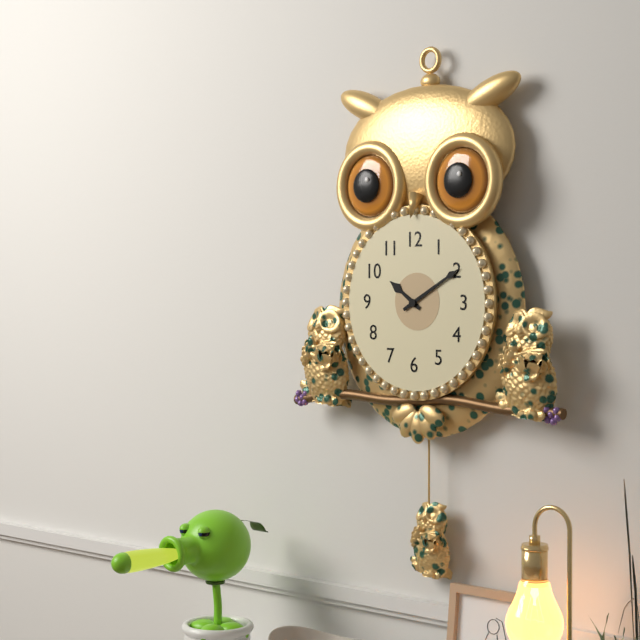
{"hour": 10, "minute": 10}
